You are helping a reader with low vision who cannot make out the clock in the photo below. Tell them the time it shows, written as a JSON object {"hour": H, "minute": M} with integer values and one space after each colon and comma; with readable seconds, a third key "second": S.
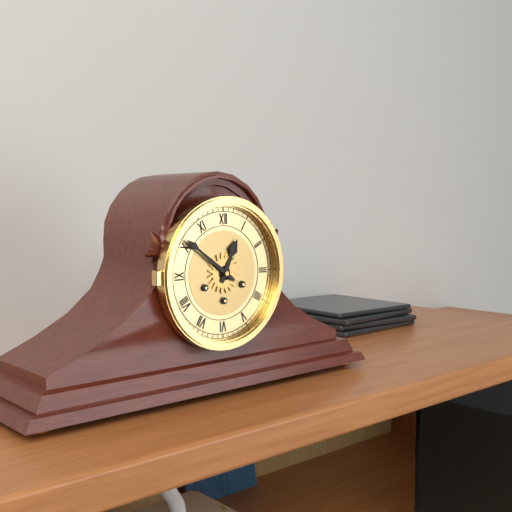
{"hour": 12, "minute": 51}
